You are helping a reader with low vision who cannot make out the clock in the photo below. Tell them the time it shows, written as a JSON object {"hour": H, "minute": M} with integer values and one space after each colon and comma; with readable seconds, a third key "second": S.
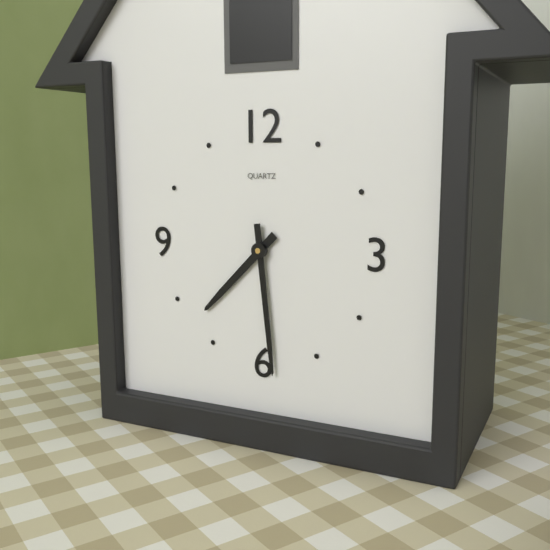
{"hour": 7, "minute": 29}
